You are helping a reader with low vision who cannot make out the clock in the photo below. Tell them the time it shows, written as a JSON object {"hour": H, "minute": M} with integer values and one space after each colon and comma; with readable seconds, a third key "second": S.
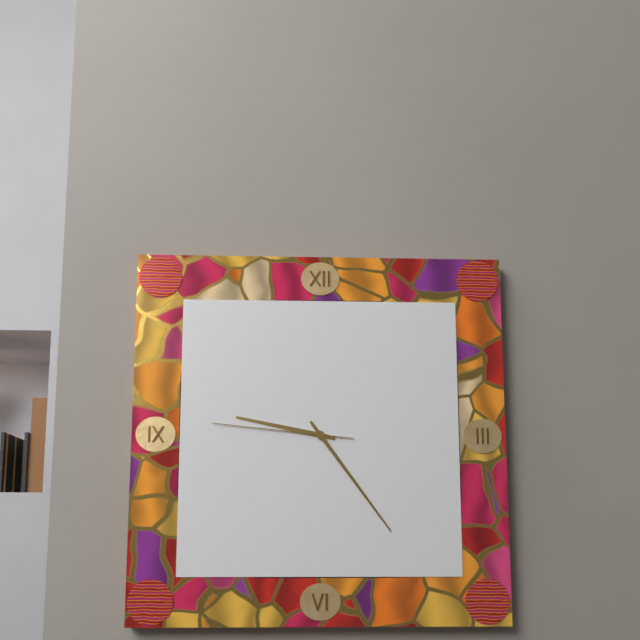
{"hour": 9, "minute": 24, "second": 46}
